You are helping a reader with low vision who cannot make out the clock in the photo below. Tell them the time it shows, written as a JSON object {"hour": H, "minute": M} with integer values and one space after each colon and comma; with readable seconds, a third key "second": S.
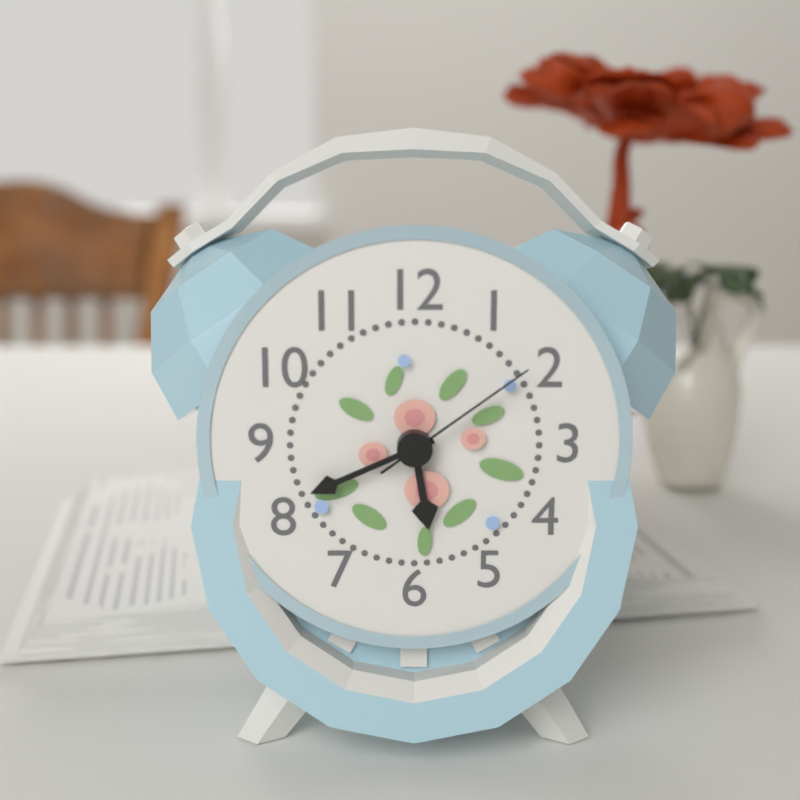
{"hour": 5, "minute": 41, "second": 9}
